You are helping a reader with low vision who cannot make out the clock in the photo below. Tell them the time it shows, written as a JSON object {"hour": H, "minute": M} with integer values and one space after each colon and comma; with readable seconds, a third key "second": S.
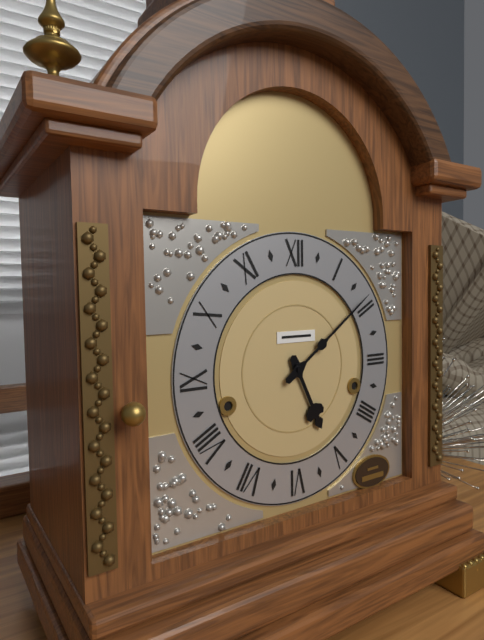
{"hour": 5, "minute": 9}
